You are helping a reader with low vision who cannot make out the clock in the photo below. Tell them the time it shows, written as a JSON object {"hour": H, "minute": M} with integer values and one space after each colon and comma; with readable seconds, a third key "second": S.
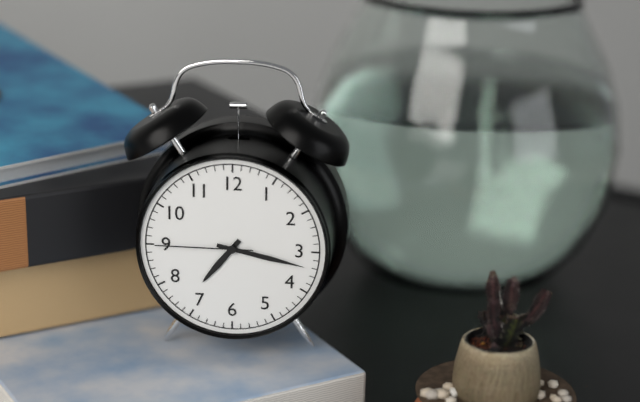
{"hour": 7, "minute": 17, "second": 45}
